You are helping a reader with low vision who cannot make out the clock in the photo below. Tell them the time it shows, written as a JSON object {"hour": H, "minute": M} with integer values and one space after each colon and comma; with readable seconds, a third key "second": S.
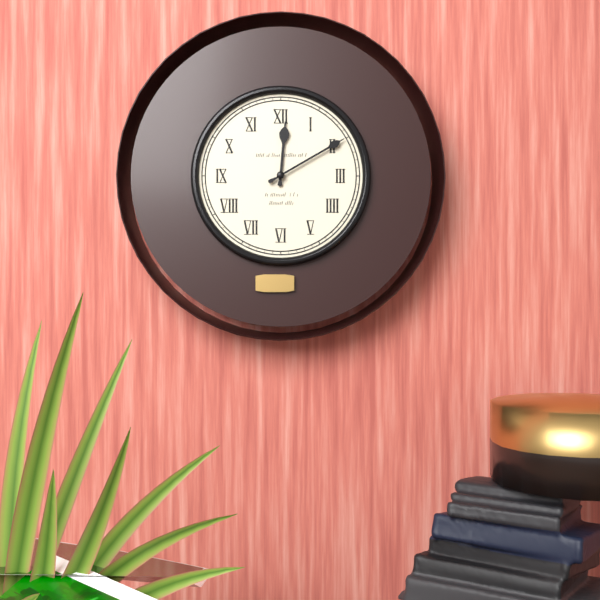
{"hour": 12, "minute": 10}
